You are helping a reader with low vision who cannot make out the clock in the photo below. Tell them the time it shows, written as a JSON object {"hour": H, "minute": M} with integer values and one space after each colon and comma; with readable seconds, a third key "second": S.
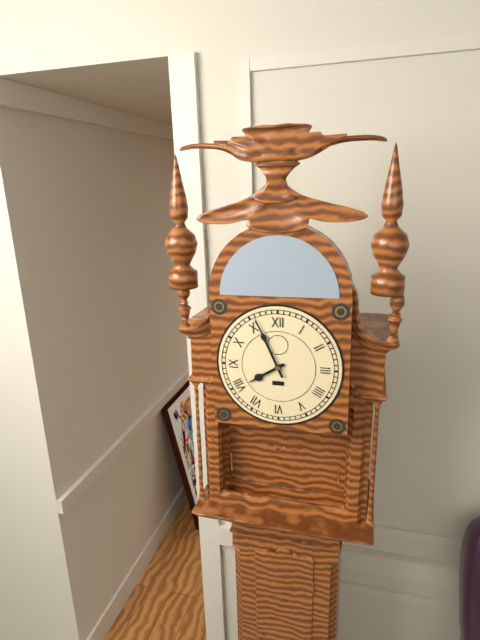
{"hour": 7, "minute": 56}
